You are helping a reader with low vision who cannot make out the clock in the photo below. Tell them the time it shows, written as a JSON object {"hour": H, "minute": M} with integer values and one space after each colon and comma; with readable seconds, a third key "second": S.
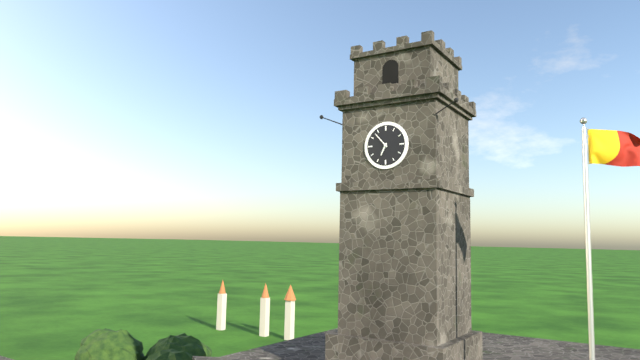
{"hour": 6, "minute": 53}
